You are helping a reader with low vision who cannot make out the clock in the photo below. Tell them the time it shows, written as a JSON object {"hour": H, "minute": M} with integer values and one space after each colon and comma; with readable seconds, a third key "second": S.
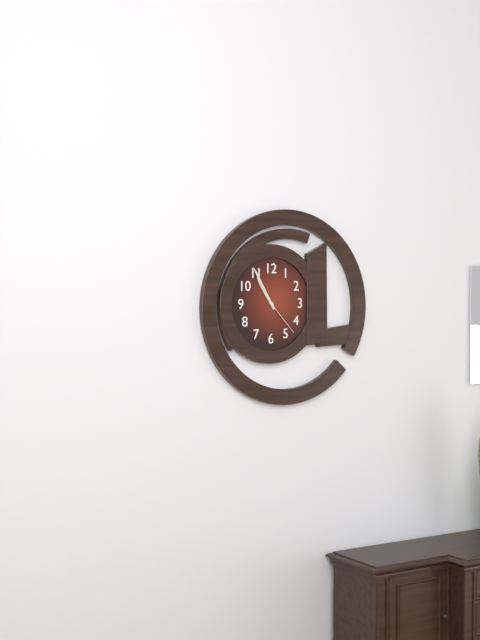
{"hour": 10, "minute": 55}
